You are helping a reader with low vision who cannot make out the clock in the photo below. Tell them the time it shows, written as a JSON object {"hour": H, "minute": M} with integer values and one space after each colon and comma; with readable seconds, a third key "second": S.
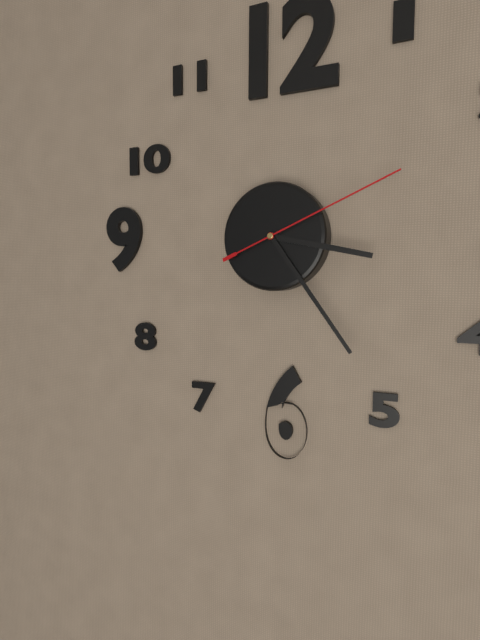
{"hour": 3, "minute": 24, "second": 11}
